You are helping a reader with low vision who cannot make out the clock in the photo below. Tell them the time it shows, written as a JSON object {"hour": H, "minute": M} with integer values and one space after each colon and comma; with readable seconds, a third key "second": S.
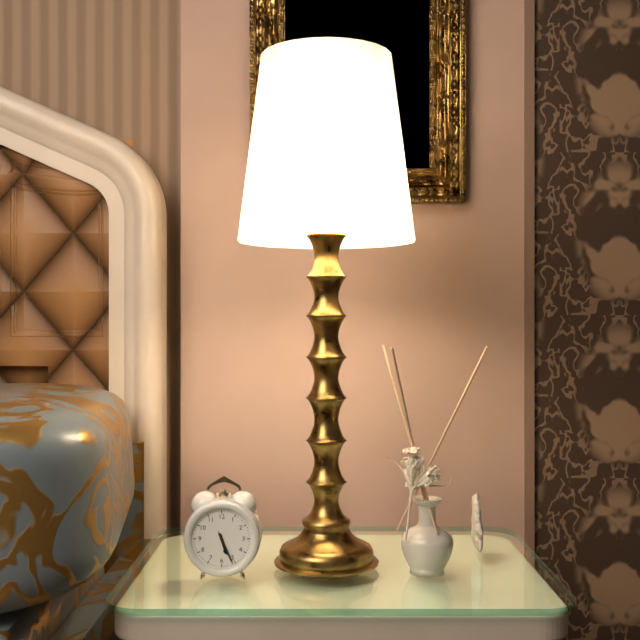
{"hour": 5, "minute": 26}
